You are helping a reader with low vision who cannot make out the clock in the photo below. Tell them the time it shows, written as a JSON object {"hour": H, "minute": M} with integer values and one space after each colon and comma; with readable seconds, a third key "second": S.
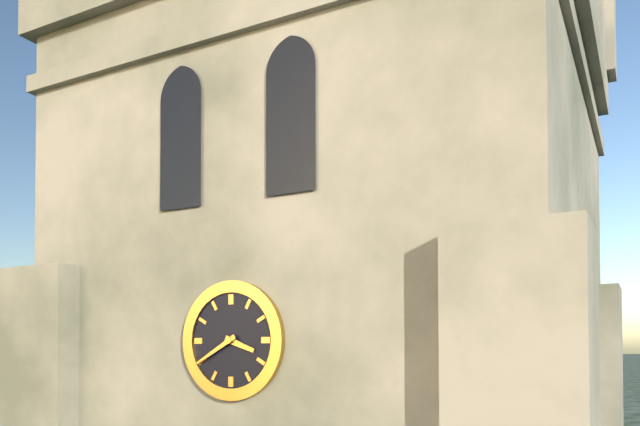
{"hour": 3, "minute": 40}
